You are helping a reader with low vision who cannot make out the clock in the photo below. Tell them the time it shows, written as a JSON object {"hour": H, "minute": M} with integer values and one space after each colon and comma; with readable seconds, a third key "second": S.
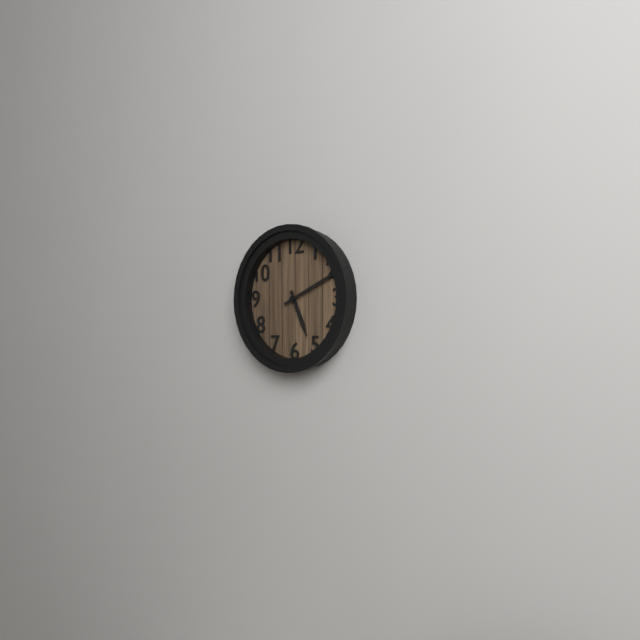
{"hour": 5, "minute": 11}
